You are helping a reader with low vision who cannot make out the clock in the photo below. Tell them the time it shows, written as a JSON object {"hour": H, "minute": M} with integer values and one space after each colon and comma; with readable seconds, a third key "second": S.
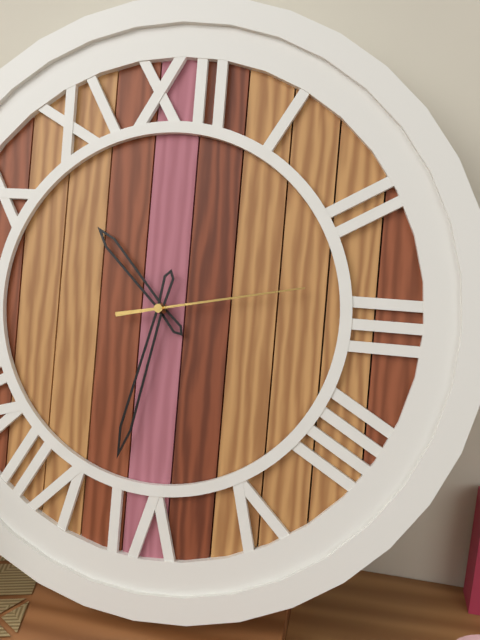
{"hour": 10, "minute": 32, "second": 13}
